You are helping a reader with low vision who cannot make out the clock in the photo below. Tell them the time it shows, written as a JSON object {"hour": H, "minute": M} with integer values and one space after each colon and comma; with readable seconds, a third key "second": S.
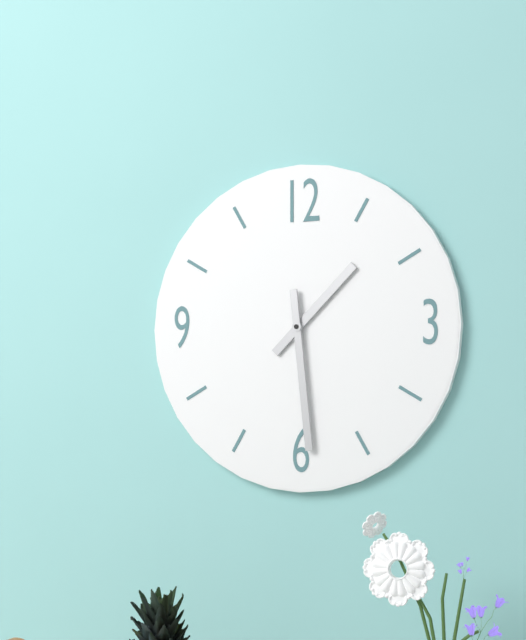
{"hour": 1, "minute": 29}
